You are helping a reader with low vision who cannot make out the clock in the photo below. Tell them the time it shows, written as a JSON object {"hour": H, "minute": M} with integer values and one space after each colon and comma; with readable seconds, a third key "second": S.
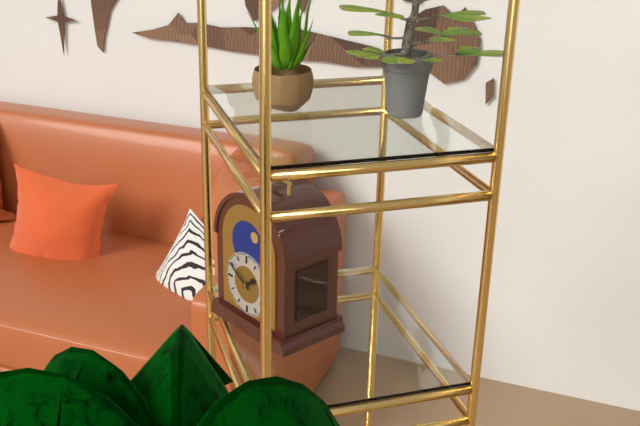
{"hour": 1, "minute": 50}
